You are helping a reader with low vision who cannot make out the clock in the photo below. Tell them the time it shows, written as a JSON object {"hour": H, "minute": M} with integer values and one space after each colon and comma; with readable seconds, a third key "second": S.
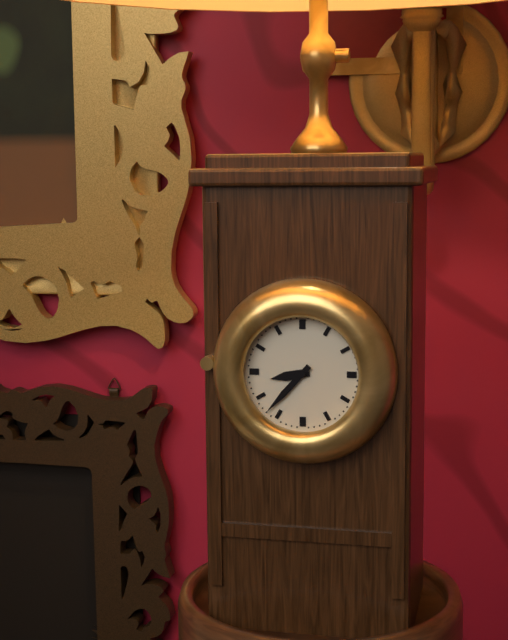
{"hour": 8, "minute": 37}
